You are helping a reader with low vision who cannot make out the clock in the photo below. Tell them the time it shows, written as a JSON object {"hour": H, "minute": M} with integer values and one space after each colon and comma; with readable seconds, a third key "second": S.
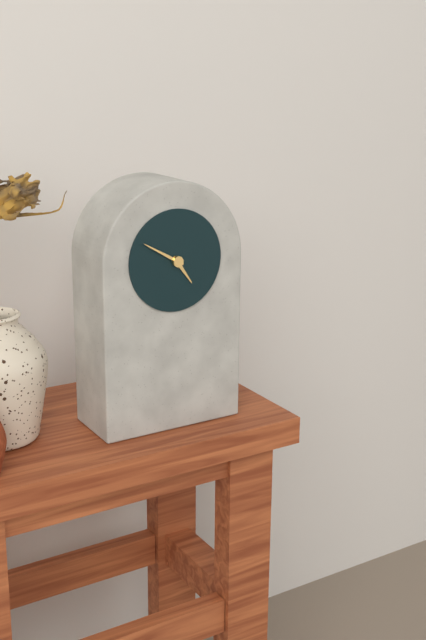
{"hour": 4, "minute": 50}
